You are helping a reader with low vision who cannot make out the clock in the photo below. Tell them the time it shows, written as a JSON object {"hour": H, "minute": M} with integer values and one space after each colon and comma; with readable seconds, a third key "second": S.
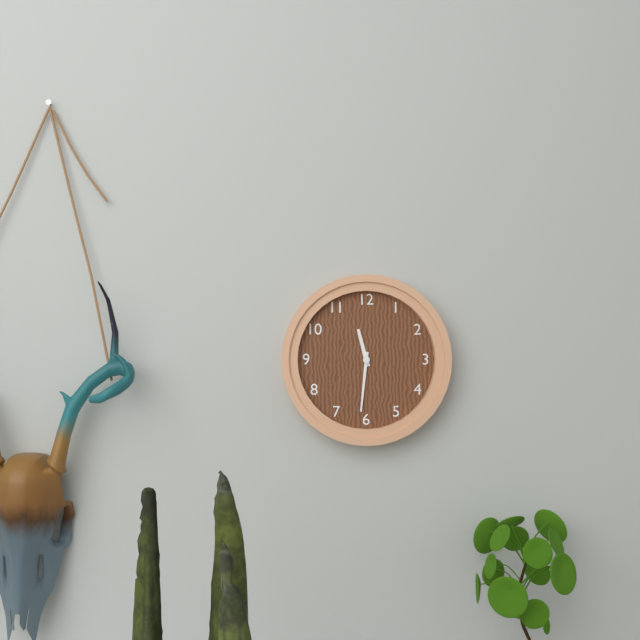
{"hour": 11, "minute": 31}
